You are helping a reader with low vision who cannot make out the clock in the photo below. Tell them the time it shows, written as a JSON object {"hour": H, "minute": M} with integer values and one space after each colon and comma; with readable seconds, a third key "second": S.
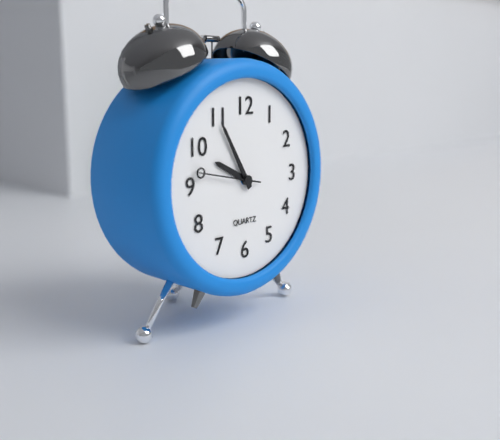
{"hour": 9, "minute": 55, "second": 47}
